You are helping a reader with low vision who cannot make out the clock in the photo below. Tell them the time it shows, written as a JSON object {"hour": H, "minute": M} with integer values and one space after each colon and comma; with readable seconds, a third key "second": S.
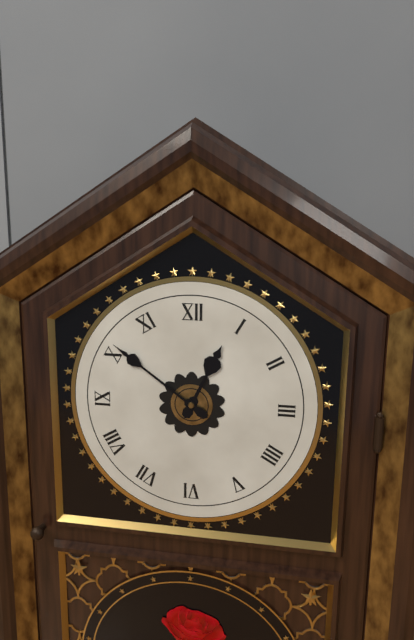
{"hour": 12, "minute": 51}
